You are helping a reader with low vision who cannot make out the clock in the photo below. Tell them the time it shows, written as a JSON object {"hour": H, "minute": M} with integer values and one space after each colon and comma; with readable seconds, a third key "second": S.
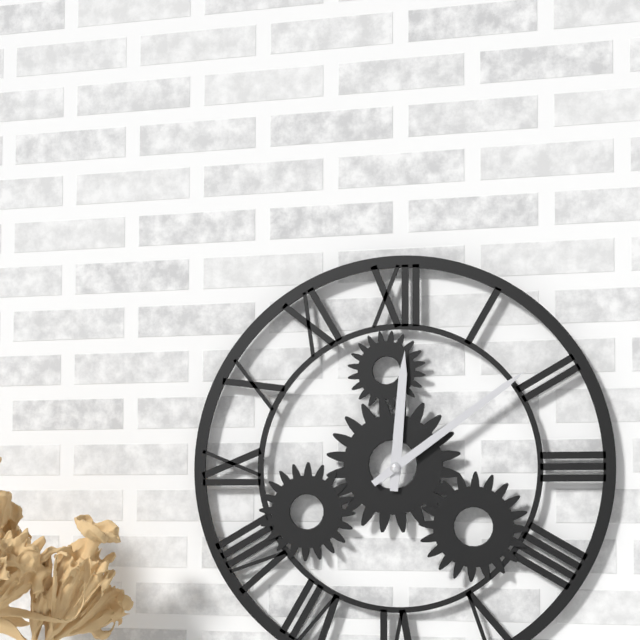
{"hour": 12, "minute": 9}
